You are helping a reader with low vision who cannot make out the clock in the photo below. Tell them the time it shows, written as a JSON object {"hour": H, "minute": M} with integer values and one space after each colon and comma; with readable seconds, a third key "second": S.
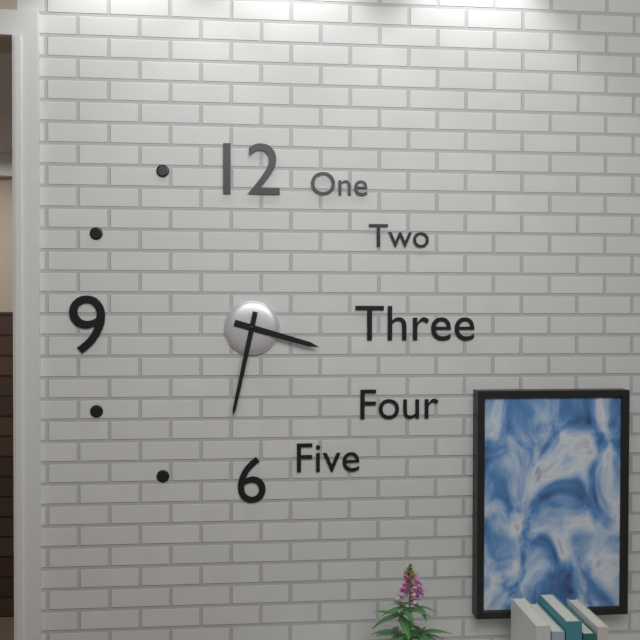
{"hour": 3, "minute": 32}
